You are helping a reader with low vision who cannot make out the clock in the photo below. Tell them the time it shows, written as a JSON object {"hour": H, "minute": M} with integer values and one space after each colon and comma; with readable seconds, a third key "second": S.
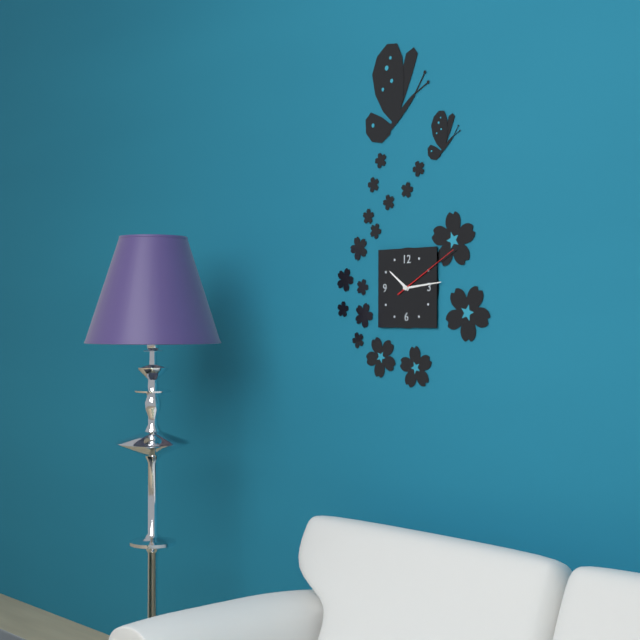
{"hour": 10, "minute": 14, "second": 10}
